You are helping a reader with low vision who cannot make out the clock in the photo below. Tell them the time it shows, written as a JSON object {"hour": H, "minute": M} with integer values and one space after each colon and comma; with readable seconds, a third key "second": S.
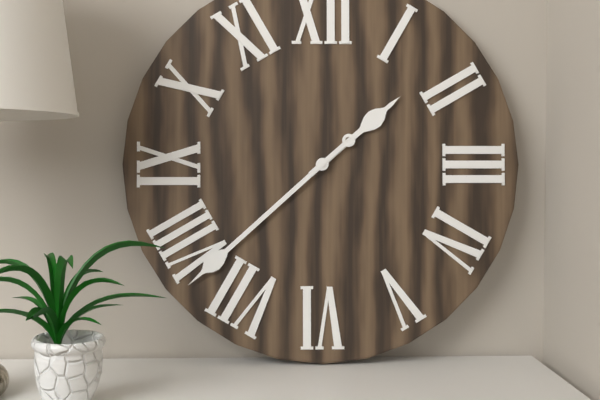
{"hour": 1, "minute": 38}
